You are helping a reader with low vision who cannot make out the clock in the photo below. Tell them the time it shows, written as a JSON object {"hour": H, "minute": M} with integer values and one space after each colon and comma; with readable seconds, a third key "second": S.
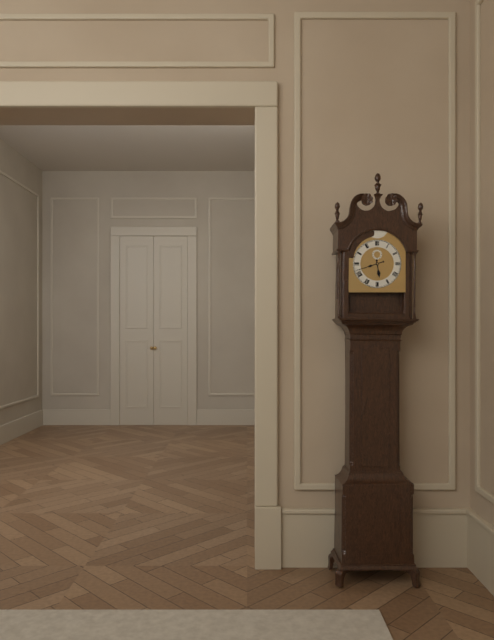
{"hour": 5, "minute": 42}
